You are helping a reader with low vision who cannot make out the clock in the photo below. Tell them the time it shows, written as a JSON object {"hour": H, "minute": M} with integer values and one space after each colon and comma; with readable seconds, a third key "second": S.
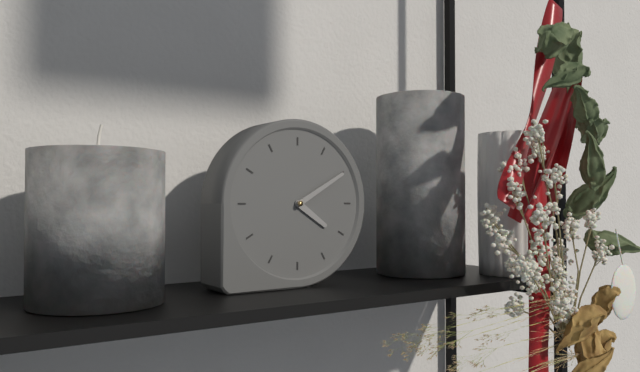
{"hour": 4, "minute": 10}
